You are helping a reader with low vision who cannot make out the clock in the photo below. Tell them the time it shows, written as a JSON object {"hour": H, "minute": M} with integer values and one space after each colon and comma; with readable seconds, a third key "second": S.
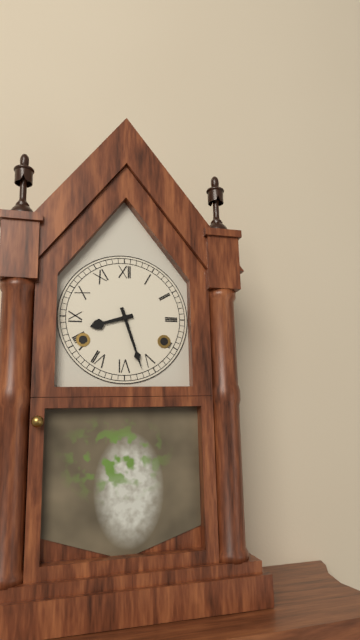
{"hour": 8, "minute": 27}
